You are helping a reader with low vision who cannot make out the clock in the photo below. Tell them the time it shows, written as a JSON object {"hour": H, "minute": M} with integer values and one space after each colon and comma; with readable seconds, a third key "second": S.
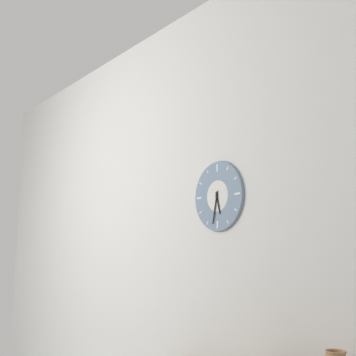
{"hour": 5, "minute": 32}
